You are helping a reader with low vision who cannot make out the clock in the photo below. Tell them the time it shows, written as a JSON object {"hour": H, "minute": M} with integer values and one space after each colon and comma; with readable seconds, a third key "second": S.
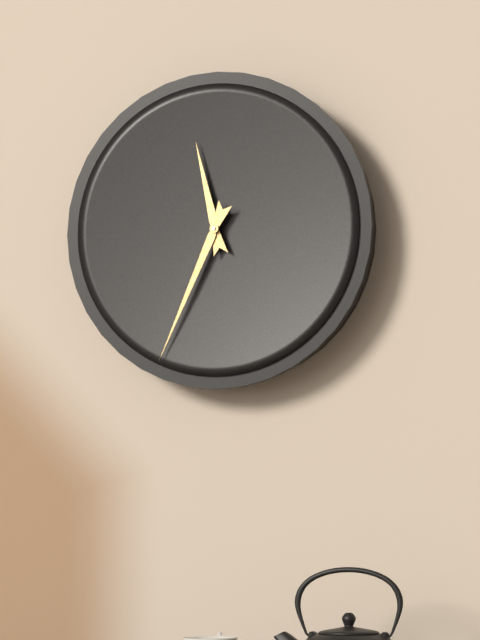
{"hour": 11, "minute": 34}
